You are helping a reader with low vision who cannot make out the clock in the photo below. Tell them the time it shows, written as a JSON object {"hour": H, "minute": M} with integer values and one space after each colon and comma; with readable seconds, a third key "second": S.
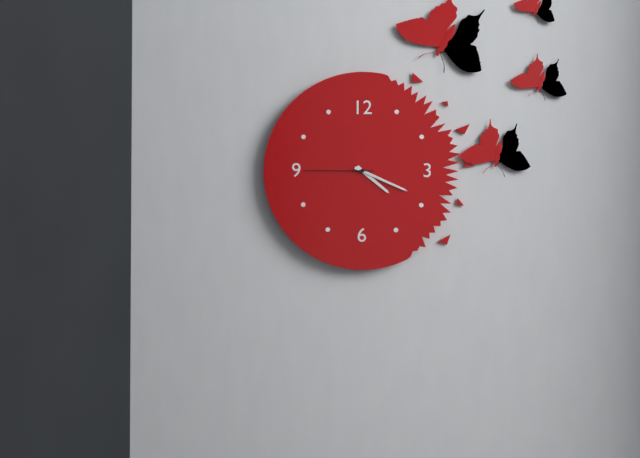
{"hour": 4, "minute": 19, "second": 45}
